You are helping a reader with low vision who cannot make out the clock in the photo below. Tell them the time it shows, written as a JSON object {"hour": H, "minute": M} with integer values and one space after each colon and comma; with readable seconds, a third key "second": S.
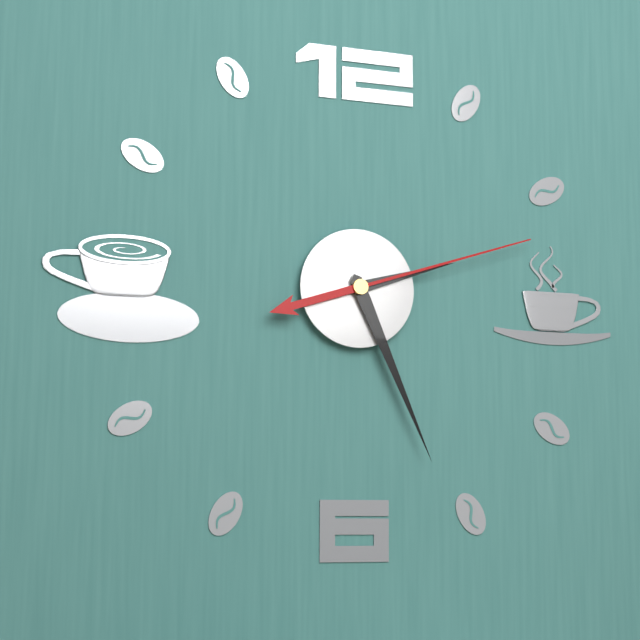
{"hour": 2, "minute": 26, "second": 12}
